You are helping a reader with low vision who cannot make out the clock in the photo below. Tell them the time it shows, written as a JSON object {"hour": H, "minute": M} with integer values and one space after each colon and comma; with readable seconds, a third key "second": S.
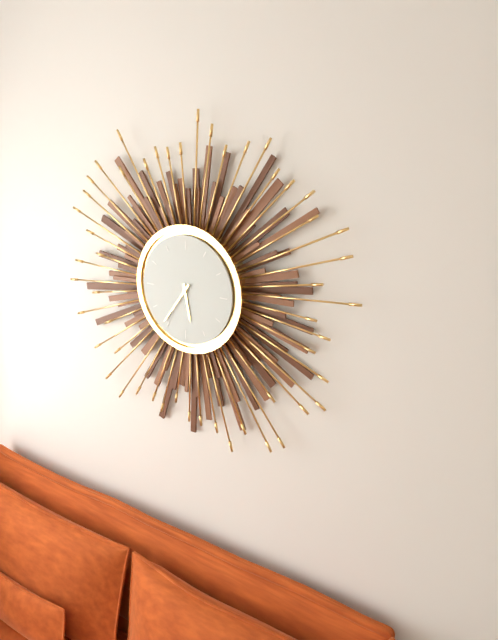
{"hour": 5, "minute": 36}
